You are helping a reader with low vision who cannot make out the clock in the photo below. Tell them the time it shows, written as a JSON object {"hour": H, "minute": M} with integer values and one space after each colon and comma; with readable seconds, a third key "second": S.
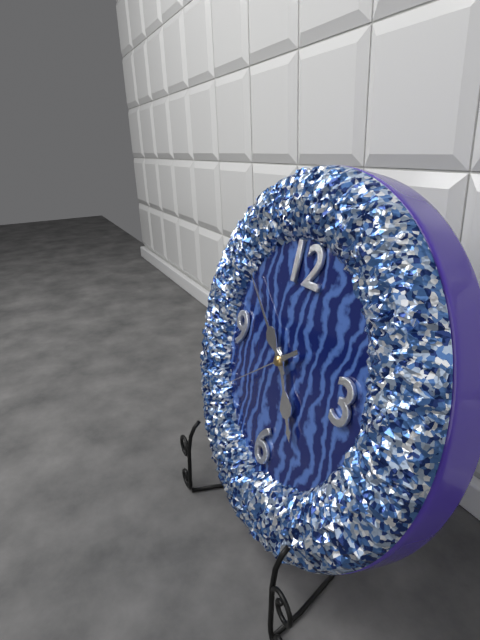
{"hour": 4, "minute": 51, "second": 39}
